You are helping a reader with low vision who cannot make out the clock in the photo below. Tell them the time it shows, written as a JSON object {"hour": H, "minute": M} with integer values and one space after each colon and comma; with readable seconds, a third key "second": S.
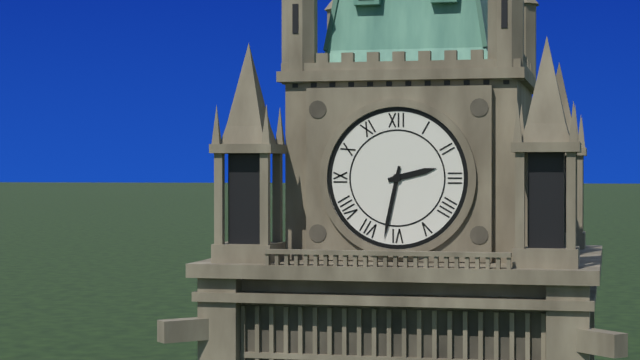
{"hour": 2, "minute": 32}
